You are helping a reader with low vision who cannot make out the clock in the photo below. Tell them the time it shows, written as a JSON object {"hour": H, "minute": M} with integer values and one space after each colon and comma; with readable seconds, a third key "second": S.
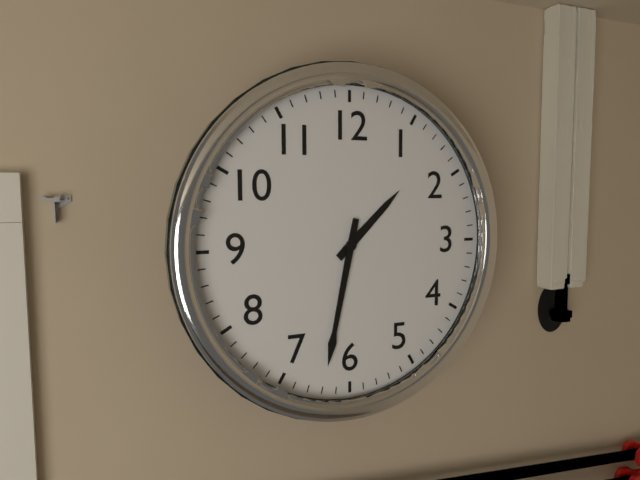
{"hour": 1, "minute": 32}
